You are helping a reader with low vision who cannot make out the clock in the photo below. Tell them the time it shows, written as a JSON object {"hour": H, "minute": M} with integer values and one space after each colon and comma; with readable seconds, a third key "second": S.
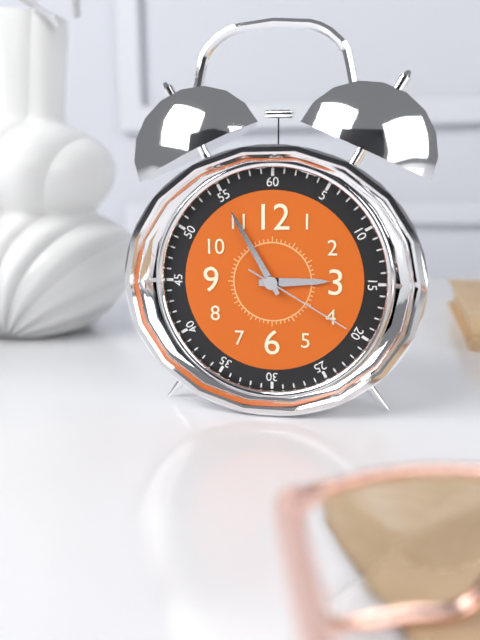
{"hour": 2, "minute": 55, "second": 20}
